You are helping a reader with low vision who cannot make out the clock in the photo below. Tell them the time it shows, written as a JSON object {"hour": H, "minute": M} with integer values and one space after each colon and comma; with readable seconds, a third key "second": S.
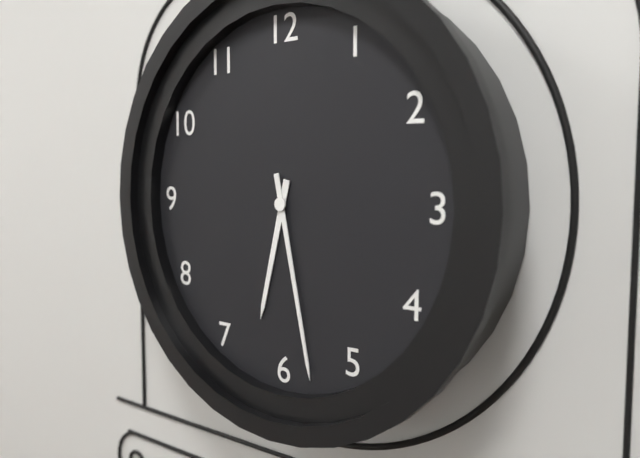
{"hour": 6, "minute": 28}
